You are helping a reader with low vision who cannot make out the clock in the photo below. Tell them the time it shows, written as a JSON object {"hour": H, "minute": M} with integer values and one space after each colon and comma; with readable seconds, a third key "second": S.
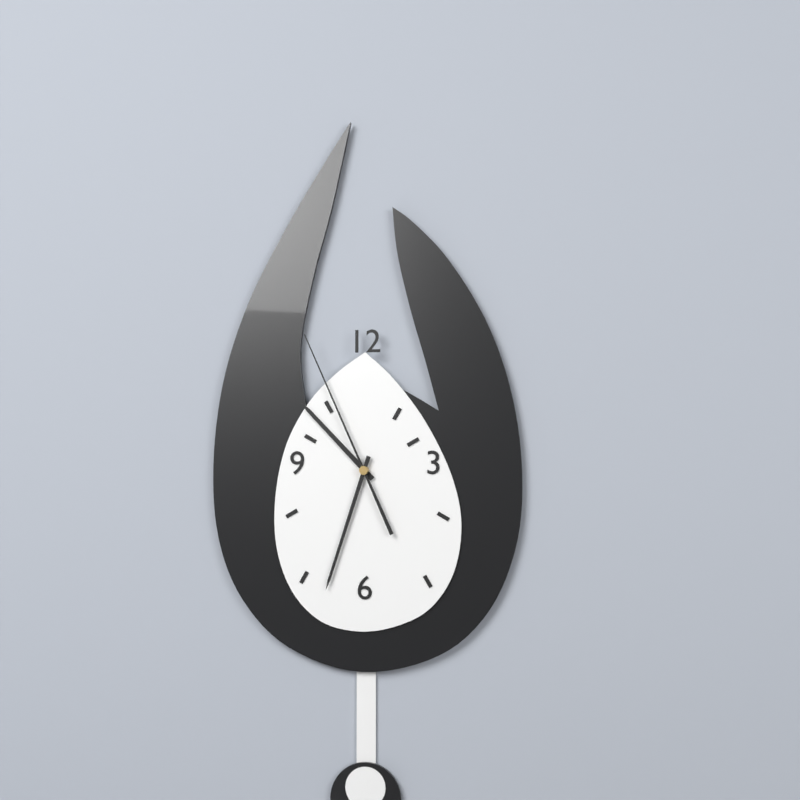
{"hour": 10, "minute": 33, "second": 56}
